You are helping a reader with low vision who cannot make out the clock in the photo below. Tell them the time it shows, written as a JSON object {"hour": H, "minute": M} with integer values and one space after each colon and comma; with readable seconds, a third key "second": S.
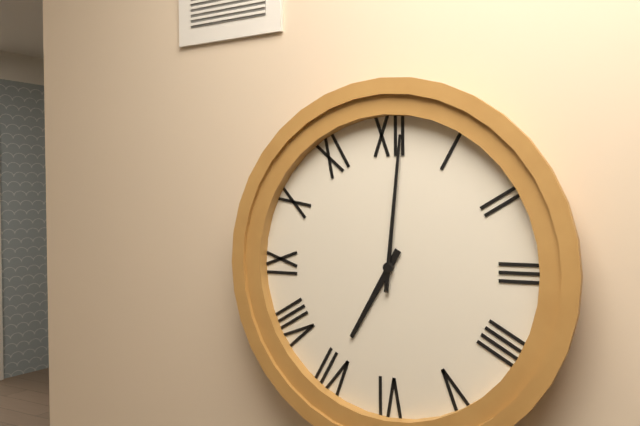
{"hour": 7, "minute": 1}
